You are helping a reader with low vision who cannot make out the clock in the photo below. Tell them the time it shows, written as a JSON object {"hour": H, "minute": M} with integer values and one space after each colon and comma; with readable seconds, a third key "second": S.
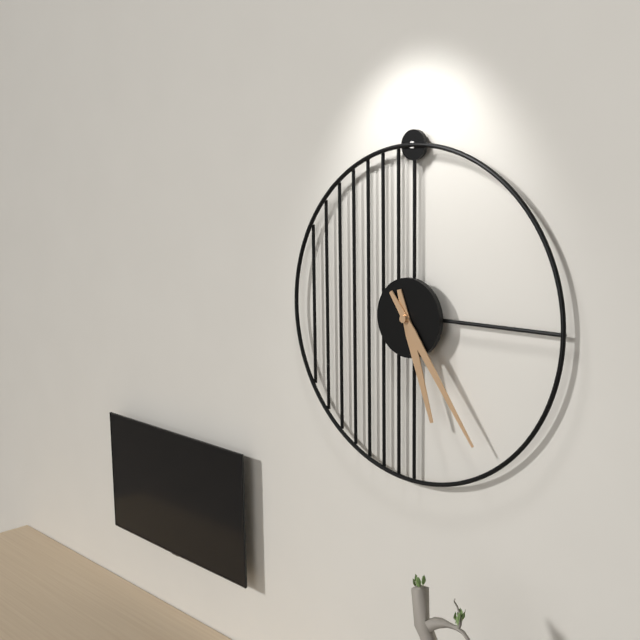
{"hour": 5, "minute": 24}
